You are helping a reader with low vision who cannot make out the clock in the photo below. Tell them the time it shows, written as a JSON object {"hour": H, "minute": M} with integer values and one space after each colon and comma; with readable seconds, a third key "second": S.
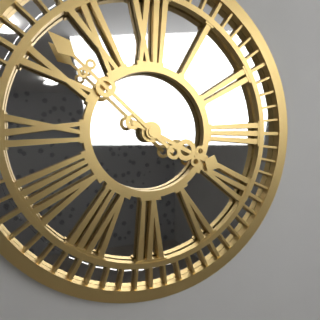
{"hour": 3, "minute": 52}
